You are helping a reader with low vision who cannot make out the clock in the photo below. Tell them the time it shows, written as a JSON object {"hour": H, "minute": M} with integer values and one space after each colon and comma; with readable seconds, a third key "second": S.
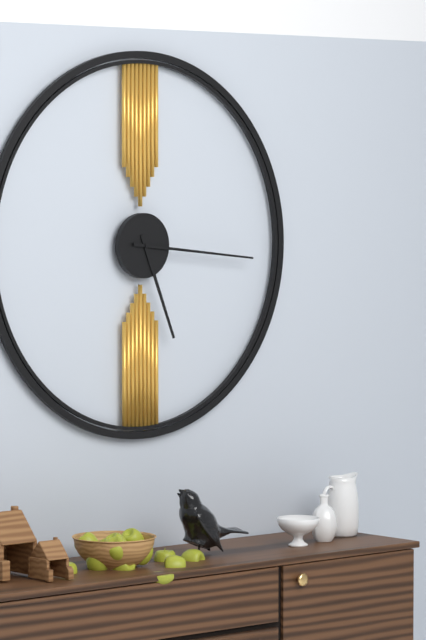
{"hour": 5, "minute": 16}
